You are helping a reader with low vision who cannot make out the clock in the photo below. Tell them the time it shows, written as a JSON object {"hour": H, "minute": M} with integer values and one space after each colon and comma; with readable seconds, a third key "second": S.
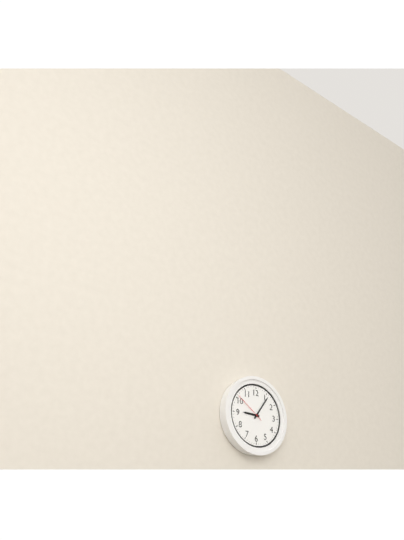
{"hour": 9, "minute": 6}
